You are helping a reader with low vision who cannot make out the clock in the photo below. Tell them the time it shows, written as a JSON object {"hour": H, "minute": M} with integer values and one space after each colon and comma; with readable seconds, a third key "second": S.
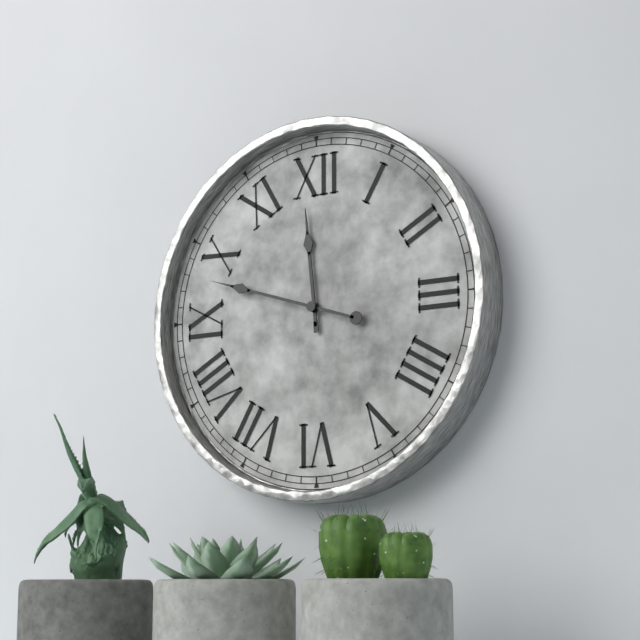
{"hour": 11, "minute": 48}
